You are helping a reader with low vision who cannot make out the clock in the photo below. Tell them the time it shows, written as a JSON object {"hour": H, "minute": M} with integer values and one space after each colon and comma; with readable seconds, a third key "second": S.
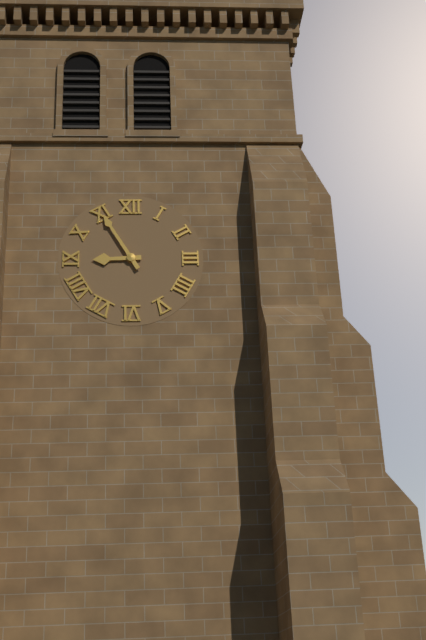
{"hour": 8, "minute": 55}
